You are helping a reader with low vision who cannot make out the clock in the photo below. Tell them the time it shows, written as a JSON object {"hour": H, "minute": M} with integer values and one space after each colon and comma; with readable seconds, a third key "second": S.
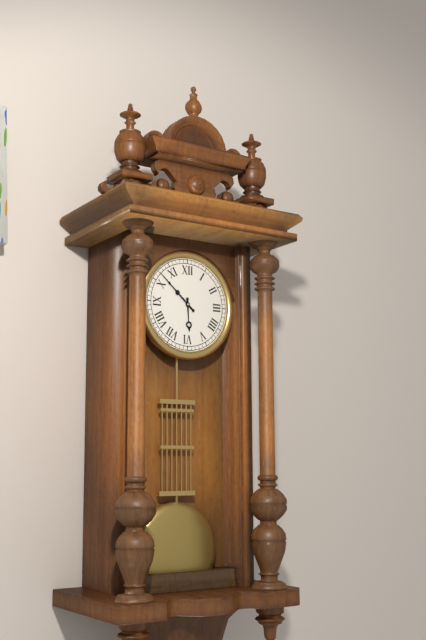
{"hour": 5, "minute": 52}
